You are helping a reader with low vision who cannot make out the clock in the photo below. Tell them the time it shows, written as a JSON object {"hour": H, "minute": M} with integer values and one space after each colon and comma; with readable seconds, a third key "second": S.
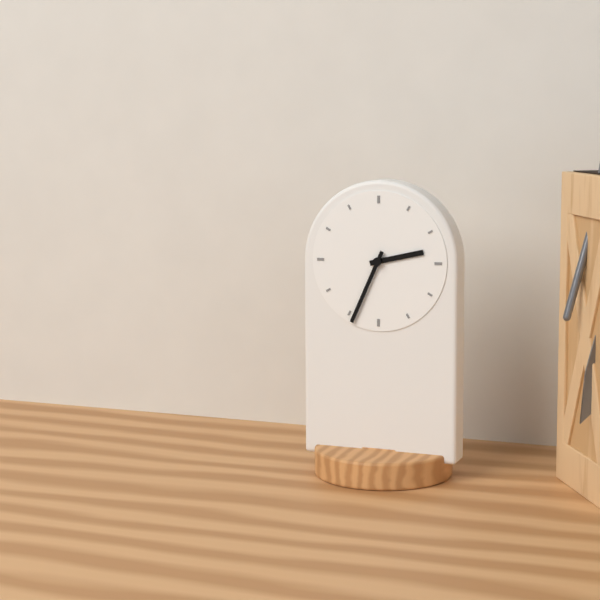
{"hour": 2, "minute": 34}
